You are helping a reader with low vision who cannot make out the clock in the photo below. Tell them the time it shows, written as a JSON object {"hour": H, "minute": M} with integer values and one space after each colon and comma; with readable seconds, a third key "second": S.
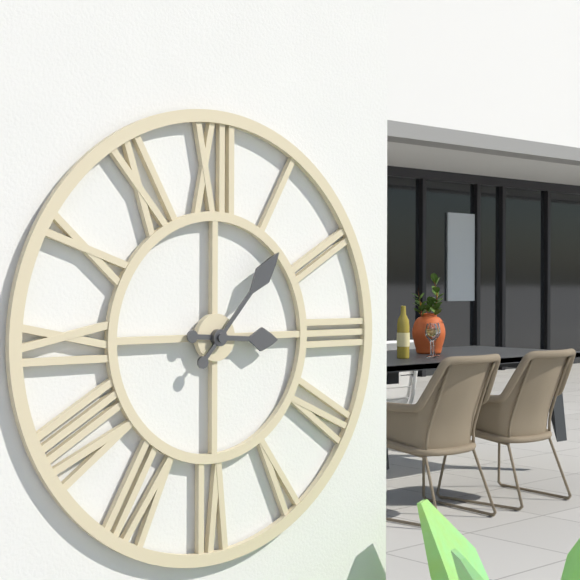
{"hour": 3, "minute": 7}
